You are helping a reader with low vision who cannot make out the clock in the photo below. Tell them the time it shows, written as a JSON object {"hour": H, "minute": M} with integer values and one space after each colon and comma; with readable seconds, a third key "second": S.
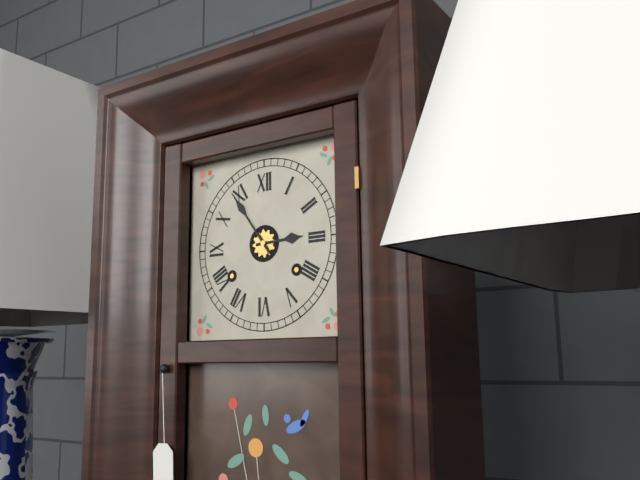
{"hour": 2, "minute": 54}
